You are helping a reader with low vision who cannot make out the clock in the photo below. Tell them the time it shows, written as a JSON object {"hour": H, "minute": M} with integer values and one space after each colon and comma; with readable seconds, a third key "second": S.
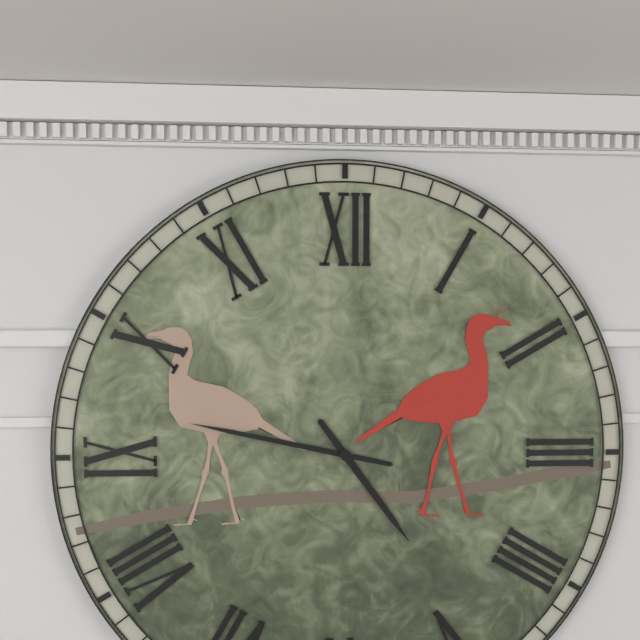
{"hour": 4, "minute": 47}
